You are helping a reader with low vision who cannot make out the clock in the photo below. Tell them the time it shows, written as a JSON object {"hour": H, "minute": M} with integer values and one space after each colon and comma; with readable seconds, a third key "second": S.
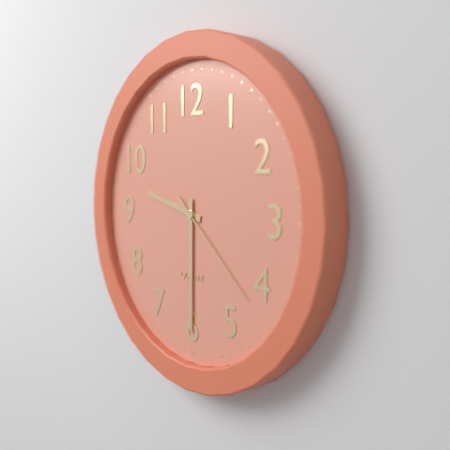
{"hour": 9, "minute": 30, "second": 22}
